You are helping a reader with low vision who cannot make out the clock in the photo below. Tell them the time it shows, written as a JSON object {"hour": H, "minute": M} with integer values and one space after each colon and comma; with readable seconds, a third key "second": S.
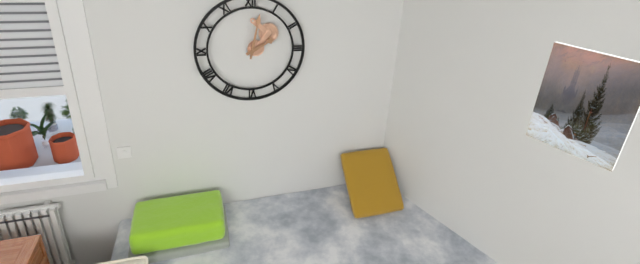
{"hour": 2, "minute": 2}
